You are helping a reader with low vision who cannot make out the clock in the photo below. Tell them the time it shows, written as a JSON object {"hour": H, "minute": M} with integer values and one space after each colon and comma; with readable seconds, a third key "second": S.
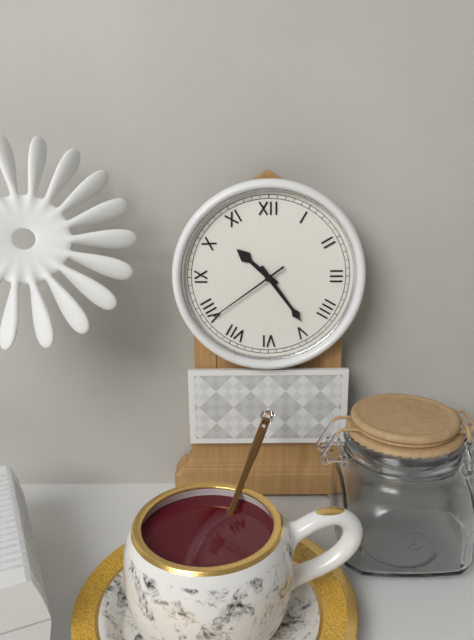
{"hour": 10, "minute": 24, "second": 39}
